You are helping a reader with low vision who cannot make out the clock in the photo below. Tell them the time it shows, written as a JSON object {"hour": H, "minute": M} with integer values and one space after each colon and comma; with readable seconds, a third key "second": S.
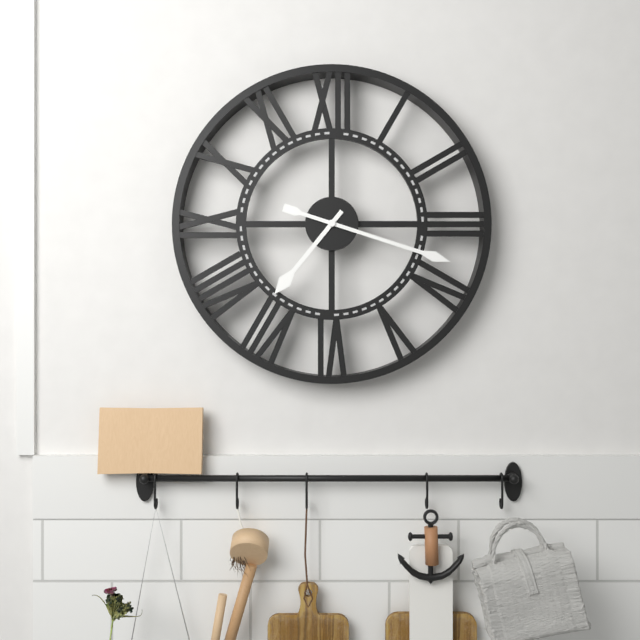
{"hour": 7, "minute": 18}
